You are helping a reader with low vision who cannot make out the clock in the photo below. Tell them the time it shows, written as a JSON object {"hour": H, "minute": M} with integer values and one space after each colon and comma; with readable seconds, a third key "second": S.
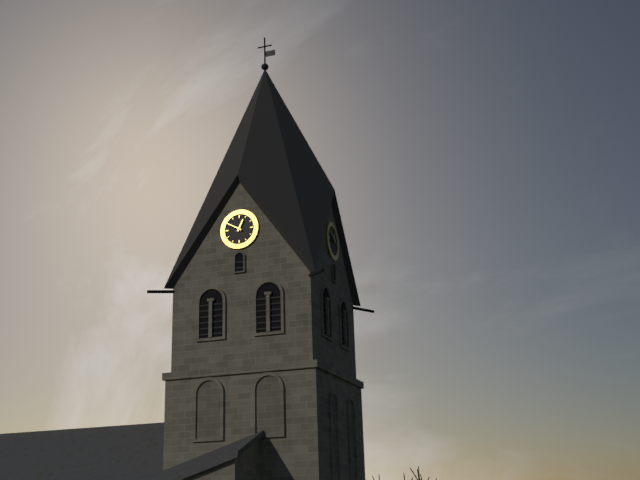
{"hour": 12, "minute": 50}
